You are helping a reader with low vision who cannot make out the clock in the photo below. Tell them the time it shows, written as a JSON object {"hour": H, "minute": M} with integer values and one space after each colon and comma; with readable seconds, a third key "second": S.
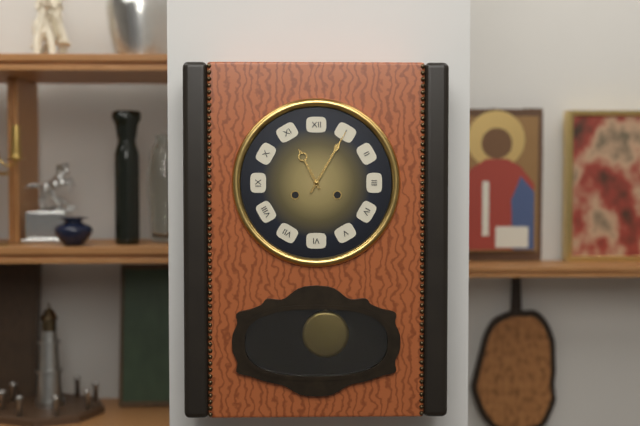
{"hour": 11, "minute": 5}
